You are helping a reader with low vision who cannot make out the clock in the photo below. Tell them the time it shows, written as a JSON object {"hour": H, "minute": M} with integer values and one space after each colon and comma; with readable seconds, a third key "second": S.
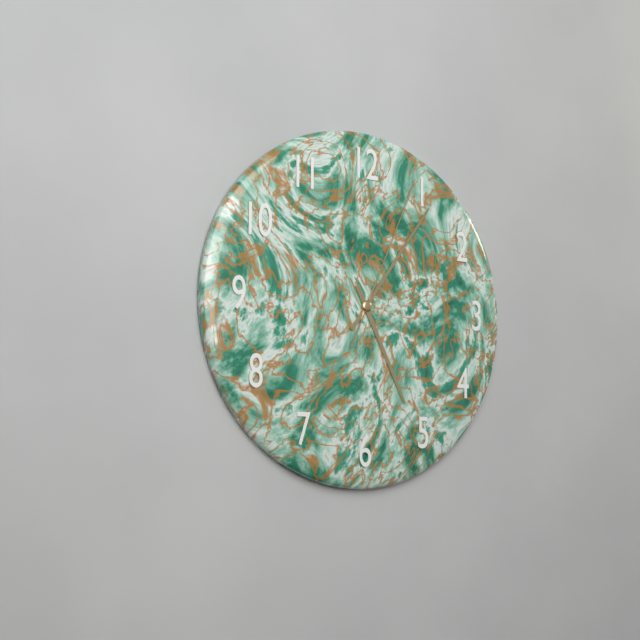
{"hour": 5, "minute": 6, "second": 4}
